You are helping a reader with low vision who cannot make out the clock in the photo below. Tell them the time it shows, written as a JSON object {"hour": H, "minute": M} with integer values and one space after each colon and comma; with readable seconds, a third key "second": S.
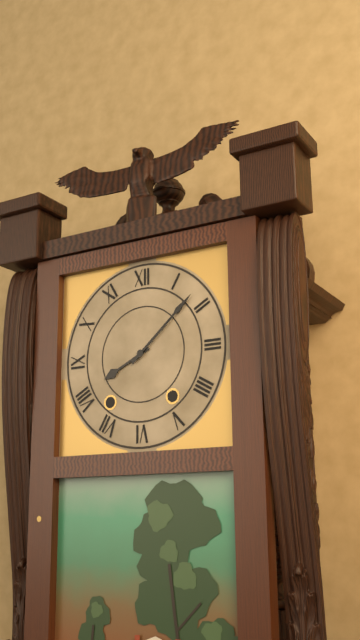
{"hour": 8, "minute": 8}
